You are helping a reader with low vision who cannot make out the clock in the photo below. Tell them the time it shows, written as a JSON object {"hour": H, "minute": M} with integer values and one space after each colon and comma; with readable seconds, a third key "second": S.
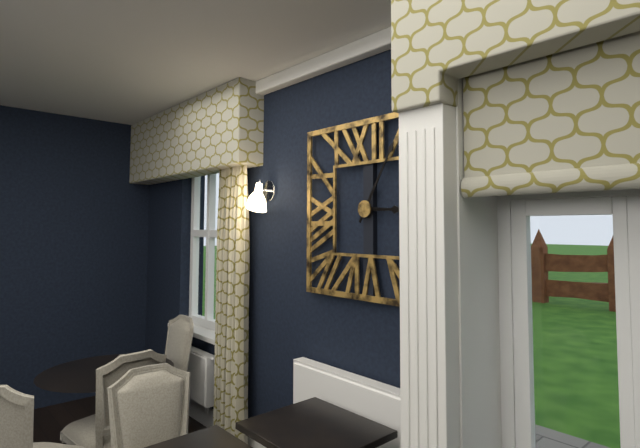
{"hour": 3, "minute": 5}
